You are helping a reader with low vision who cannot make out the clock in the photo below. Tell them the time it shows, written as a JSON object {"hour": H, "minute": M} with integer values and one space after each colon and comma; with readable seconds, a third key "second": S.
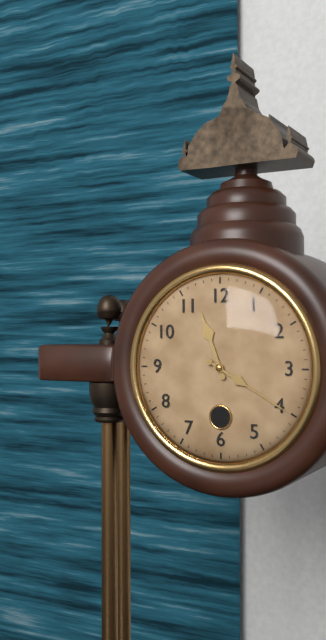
{"hour": 11, "minute": 20}
